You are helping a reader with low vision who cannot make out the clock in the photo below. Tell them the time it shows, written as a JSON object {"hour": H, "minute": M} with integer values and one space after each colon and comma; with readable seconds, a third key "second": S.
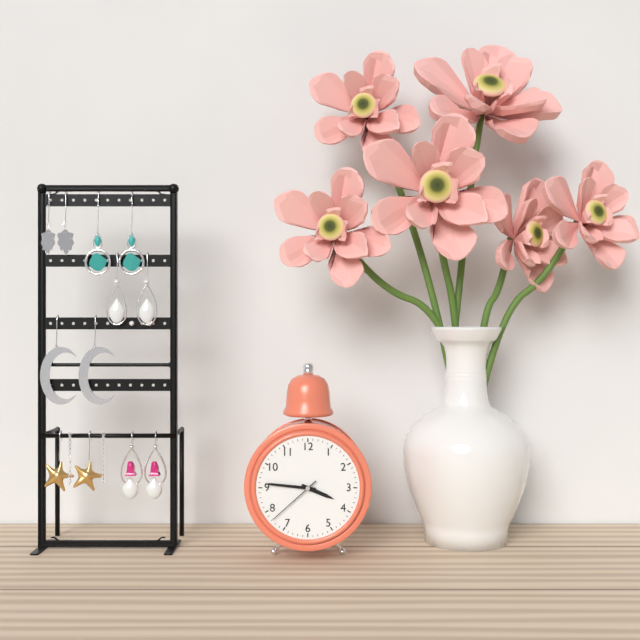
{"hour": 3, "minute": 46, "second": 38}
